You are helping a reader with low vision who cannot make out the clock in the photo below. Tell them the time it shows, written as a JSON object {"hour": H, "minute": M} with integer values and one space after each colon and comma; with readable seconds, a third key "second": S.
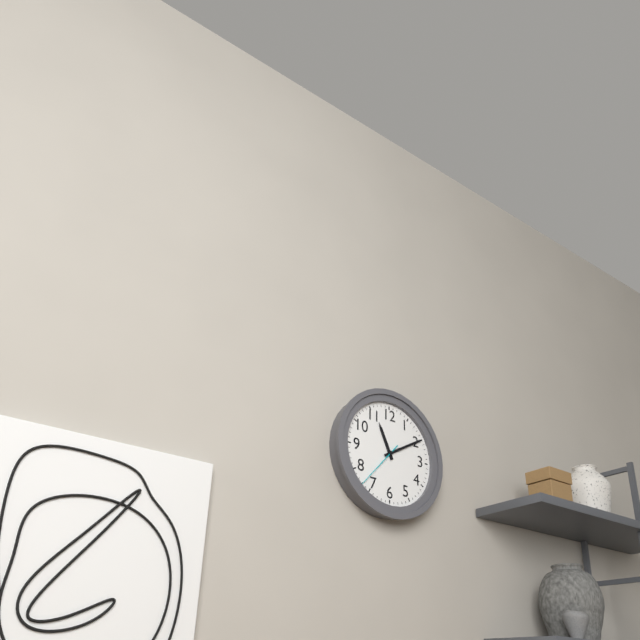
{"hour": 11, "minute": 10, "second": 37}
